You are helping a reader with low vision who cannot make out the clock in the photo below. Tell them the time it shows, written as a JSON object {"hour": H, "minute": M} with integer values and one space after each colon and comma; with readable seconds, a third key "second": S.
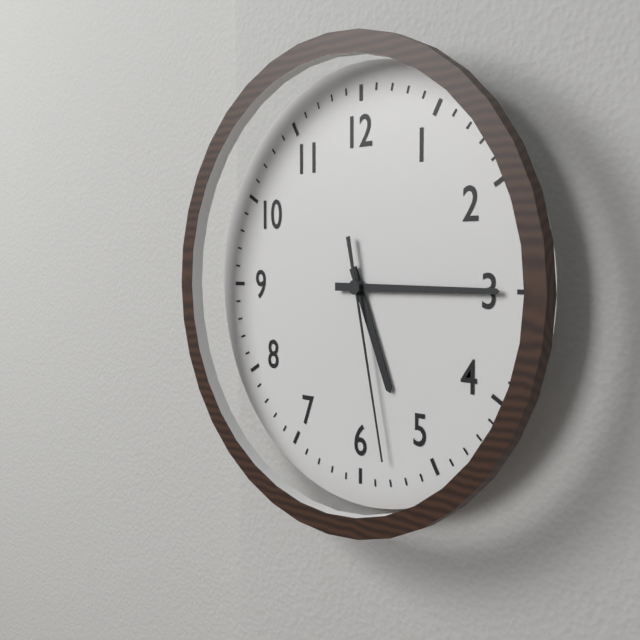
{"hour": 5, "minute": 15, "second": 28}
